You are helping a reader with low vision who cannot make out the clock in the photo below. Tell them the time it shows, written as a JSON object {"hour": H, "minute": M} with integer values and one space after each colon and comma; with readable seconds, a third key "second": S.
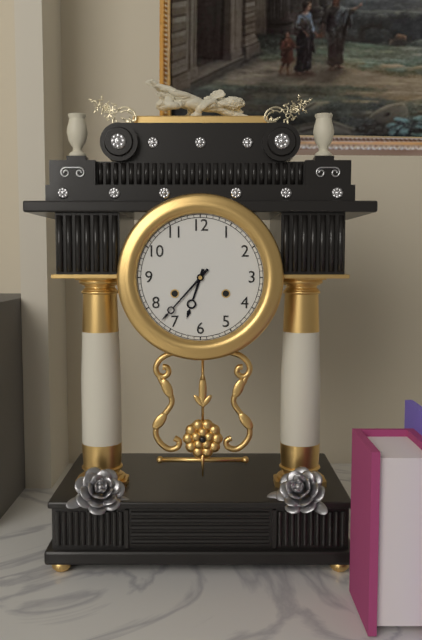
{"hour": 6, "minute": 37}
